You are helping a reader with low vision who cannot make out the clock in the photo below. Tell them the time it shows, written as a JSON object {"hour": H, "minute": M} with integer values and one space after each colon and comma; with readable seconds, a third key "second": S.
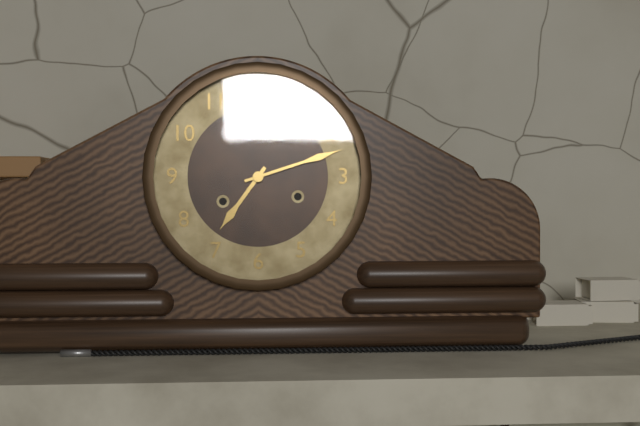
{"hour": 7, "minute": 12}
